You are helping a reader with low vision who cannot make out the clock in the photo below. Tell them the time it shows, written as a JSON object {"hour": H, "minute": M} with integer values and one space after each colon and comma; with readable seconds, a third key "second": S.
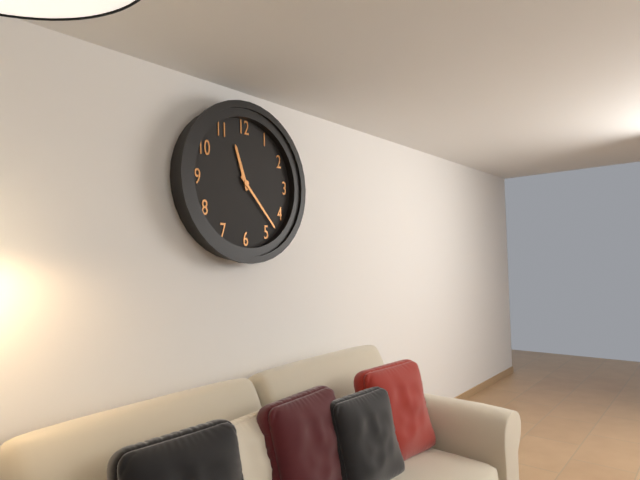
{"hour": 11, "minute": 23}
